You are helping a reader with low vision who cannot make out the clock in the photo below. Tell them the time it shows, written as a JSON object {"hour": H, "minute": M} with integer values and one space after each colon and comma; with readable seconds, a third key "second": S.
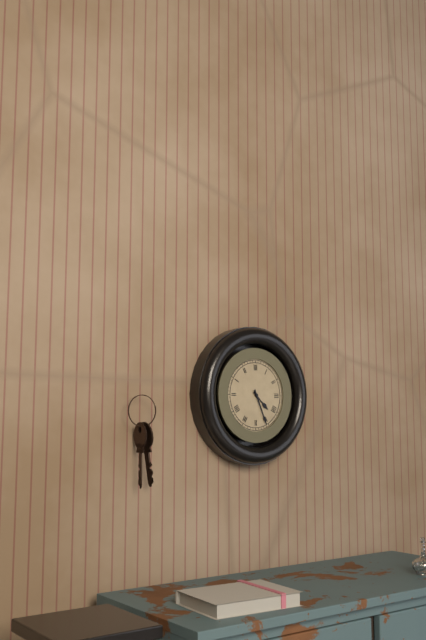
{"hour": 4, "minute": 26}
